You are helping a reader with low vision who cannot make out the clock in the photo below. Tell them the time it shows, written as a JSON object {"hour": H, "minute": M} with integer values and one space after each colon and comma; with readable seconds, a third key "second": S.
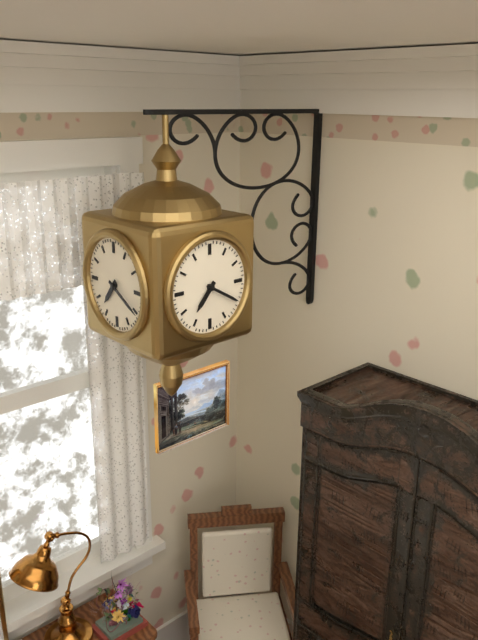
{"hour": 7, "minute": 20}
